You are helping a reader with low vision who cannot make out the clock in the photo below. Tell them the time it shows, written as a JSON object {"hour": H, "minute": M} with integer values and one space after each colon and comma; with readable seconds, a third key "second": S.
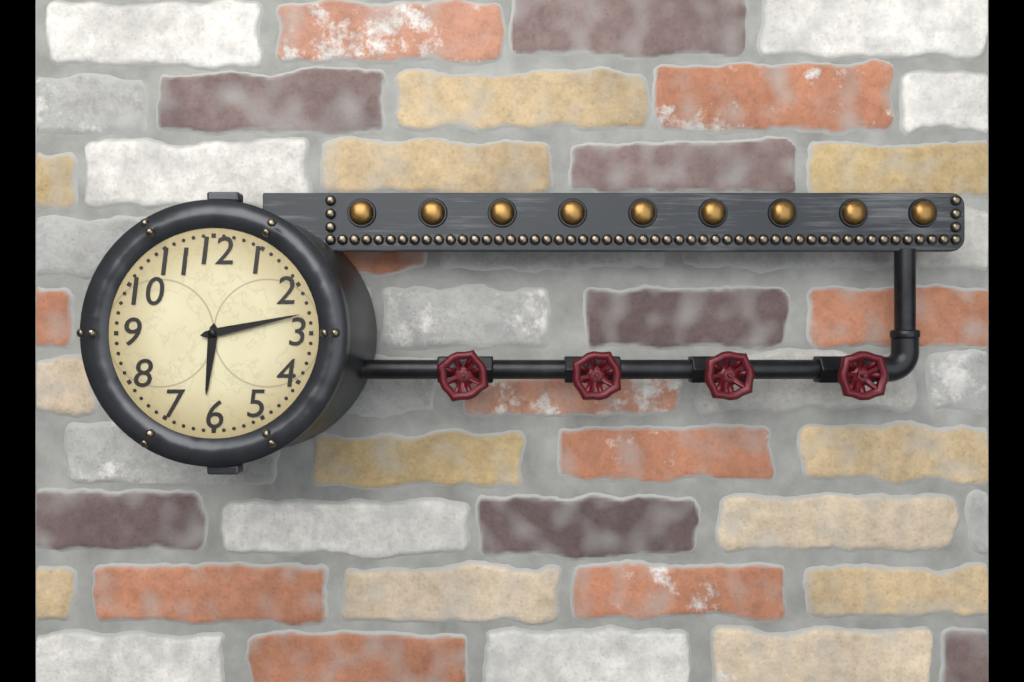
{"hour": 6, "minute": 13}
